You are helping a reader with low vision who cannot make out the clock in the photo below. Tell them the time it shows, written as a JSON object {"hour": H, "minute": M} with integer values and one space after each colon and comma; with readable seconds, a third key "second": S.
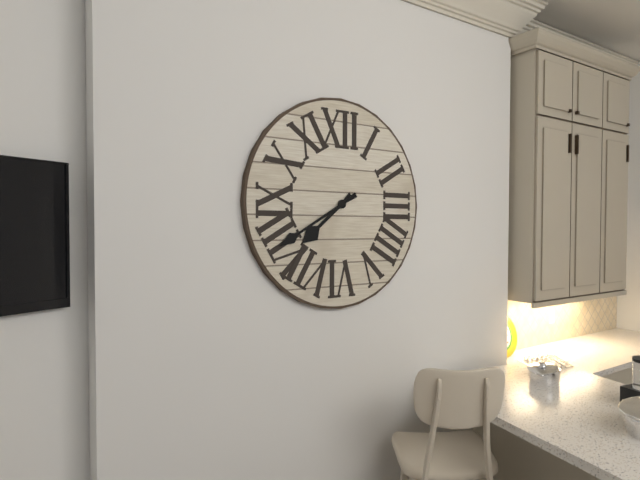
{"hour": 7, "minute": 40}
